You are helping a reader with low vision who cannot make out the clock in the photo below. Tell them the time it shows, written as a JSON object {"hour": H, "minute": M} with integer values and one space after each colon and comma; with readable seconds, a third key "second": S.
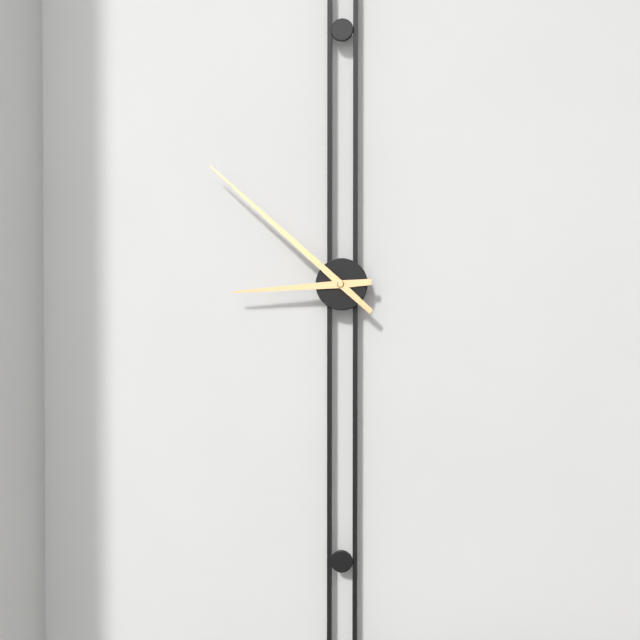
{"hour": 8, "minute": 52}
